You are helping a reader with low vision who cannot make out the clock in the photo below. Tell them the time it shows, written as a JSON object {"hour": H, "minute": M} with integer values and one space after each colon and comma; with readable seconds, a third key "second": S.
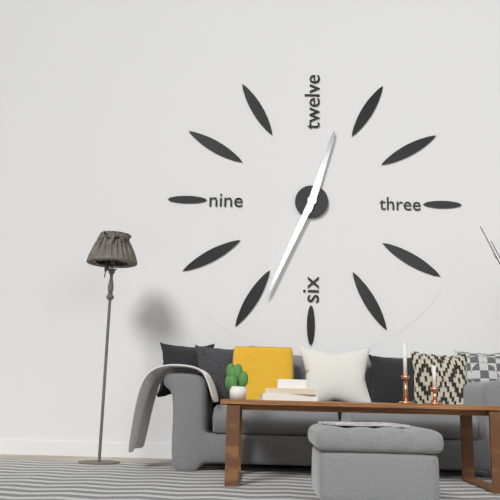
{"hour": 12, "minute": 34}
